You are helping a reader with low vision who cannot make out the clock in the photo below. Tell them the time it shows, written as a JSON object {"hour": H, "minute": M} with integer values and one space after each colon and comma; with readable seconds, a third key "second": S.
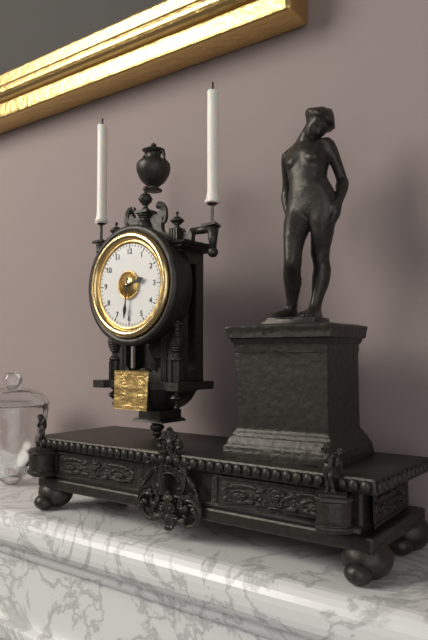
{"hour": 2, "minute": 31}
